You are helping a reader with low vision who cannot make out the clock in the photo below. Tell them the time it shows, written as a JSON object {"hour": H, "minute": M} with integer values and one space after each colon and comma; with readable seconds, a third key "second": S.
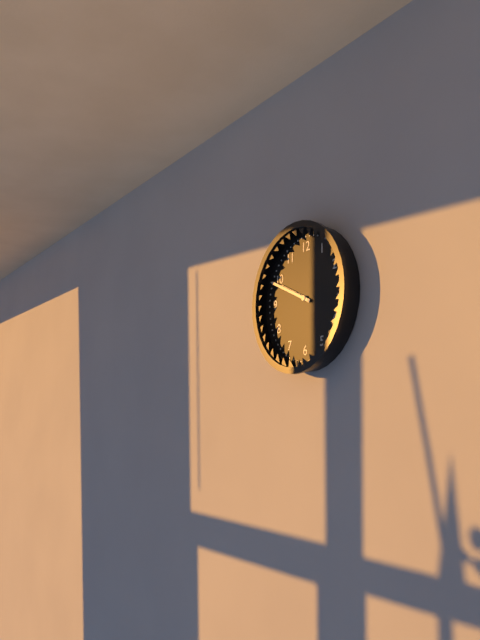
{"hour": 9, "minute": 49}
